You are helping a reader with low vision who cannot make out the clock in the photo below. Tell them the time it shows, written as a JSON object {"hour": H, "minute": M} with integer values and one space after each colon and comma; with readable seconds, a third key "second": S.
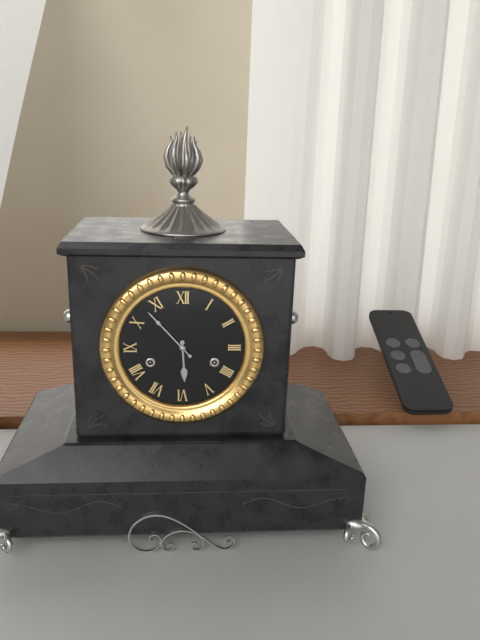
{"hour": 5, "minute": 53}
